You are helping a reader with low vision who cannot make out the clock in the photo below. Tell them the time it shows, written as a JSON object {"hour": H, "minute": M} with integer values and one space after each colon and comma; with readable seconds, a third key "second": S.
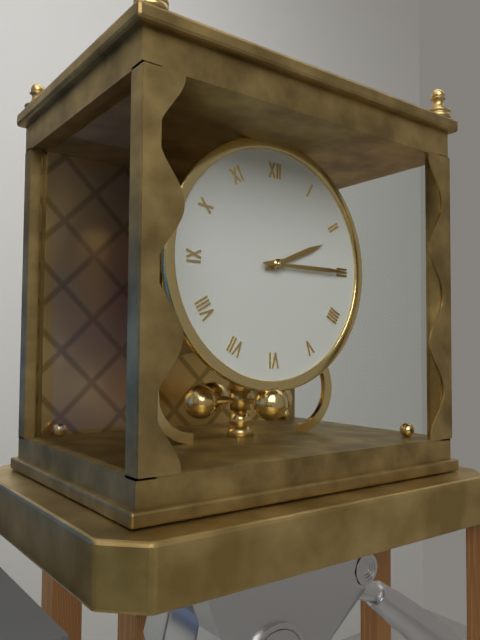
{"hour": 2, "minute": 15}
